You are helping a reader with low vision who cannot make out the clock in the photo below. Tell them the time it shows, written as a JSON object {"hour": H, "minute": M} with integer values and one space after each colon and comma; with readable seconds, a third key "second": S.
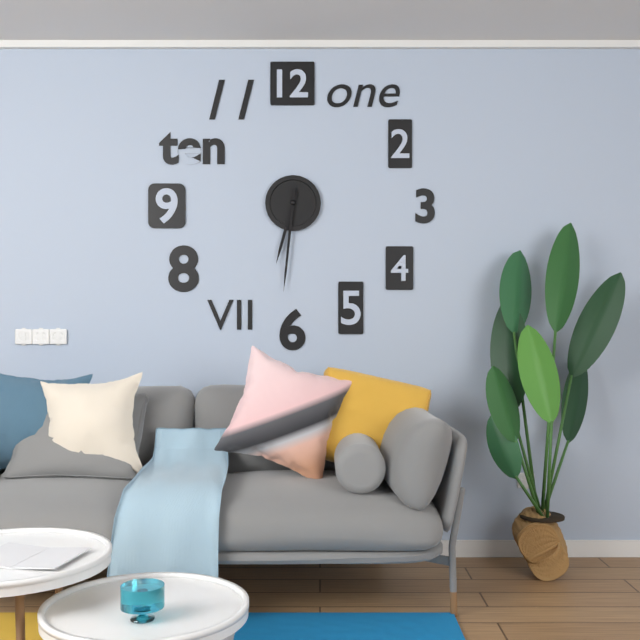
{"hour": 6, "minute": 31}
